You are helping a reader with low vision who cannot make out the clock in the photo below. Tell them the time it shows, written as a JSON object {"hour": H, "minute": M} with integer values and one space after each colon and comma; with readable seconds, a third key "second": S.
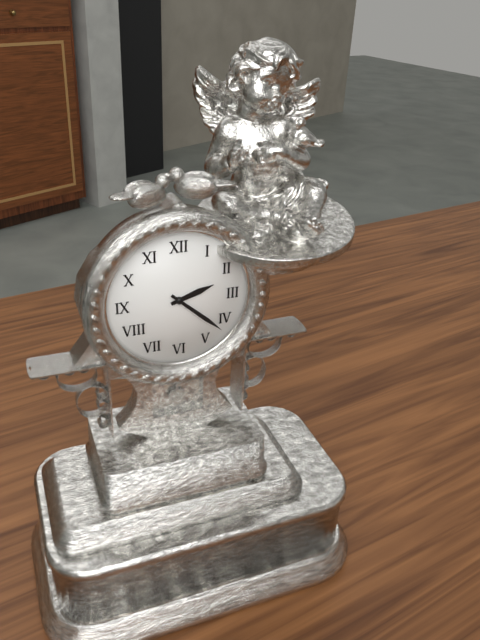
{"hour": 2, "minute": 22}
